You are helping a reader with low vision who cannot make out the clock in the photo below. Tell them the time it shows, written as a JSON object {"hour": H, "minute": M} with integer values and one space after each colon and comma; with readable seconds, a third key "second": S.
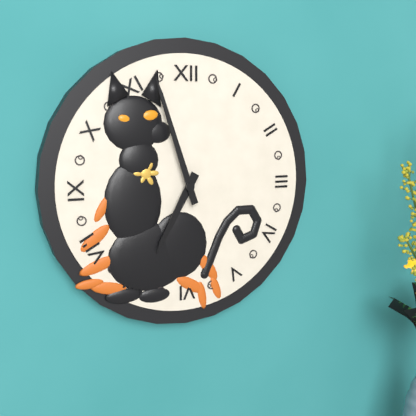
{"hour": 6, "minute": 57}
